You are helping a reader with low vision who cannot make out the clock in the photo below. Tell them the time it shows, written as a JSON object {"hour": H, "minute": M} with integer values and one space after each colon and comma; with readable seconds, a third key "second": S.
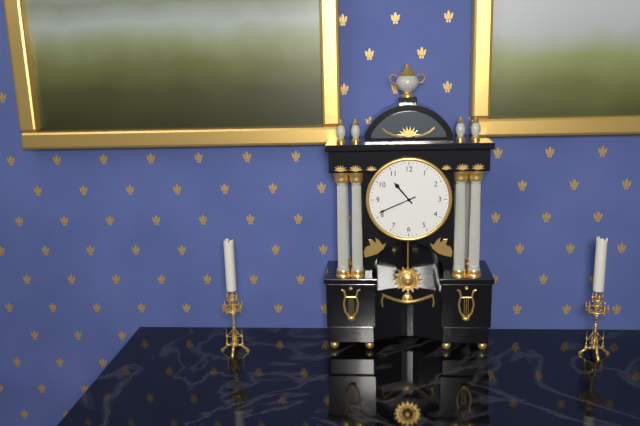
{"hour": 10, "minute": 41}
